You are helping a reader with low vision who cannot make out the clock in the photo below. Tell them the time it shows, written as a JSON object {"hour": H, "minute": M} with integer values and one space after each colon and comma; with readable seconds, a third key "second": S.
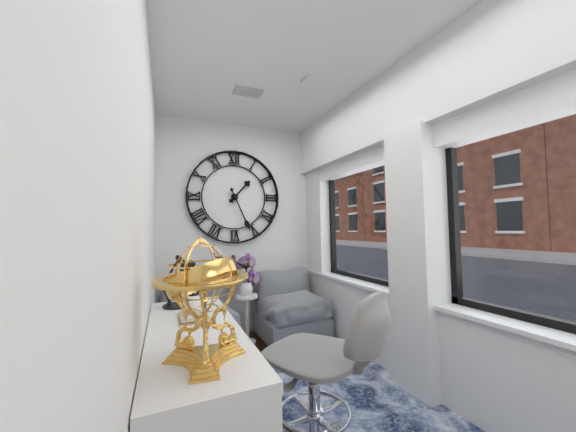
{"hour": 1, "minute": 26}
